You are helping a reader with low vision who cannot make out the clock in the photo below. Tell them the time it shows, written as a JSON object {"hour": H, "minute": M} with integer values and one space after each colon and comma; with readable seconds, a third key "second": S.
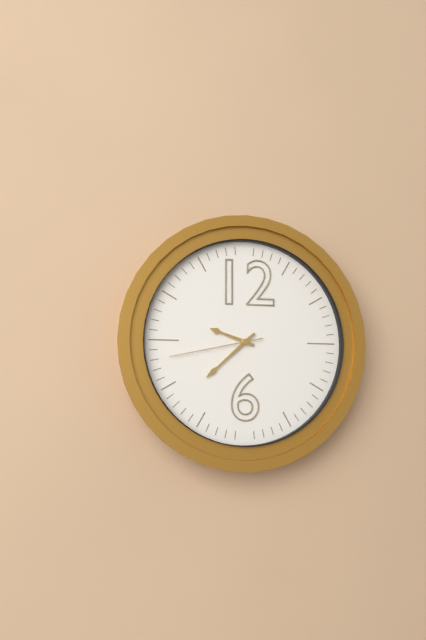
{"hour": 9, "minute": 38, "second": 43}
